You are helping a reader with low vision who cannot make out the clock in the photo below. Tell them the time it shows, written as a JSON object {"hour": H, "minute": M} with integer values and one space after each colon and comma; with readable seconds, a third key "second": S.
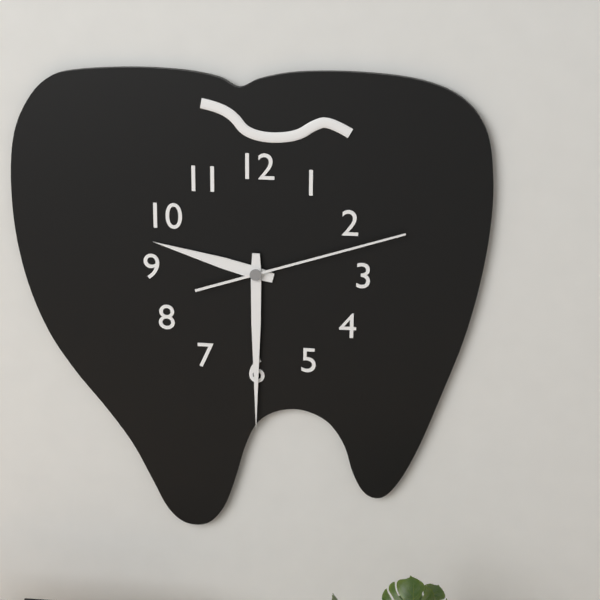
{"hour": 9, "minute": 30, "second": 12}
